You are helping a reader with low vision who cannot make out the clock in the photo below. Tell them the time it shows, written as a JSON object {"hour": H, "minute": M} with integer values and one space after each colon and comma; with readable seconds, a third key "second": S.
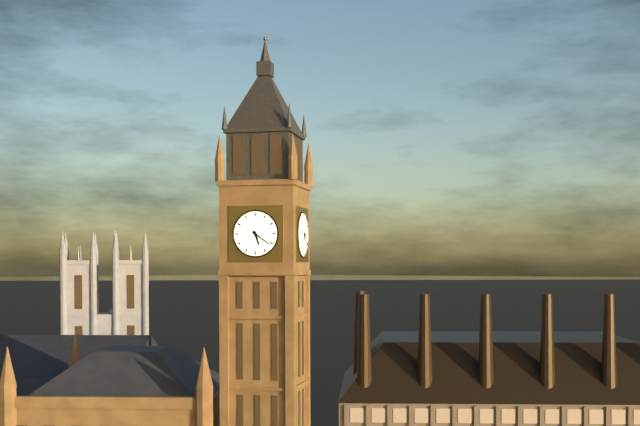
{"hour": 5, "minute": 21}
